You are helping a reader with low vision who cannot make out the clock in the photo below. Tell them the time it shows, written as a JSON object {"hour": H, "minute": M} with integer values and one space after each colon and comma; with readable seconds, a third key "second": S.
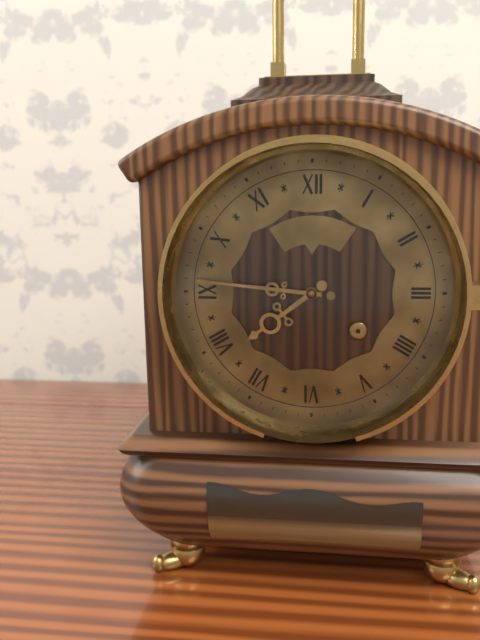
{"hour": 7, "minute": 46}
